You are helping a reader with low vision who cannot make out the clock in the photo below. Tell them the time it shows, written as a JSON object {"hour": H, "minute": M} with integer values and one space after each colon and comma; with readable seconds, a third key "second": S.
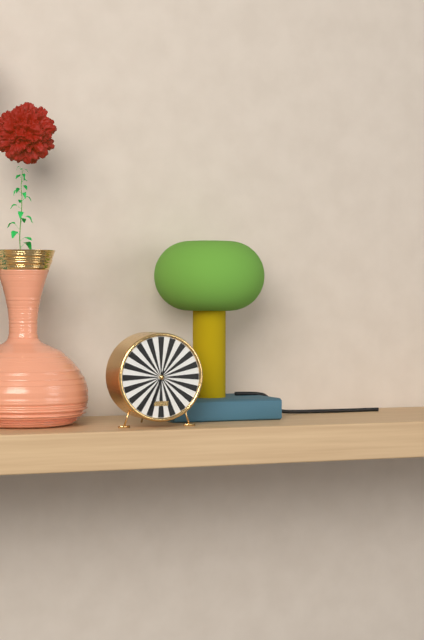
{"hour": 6, "minute": 33}
